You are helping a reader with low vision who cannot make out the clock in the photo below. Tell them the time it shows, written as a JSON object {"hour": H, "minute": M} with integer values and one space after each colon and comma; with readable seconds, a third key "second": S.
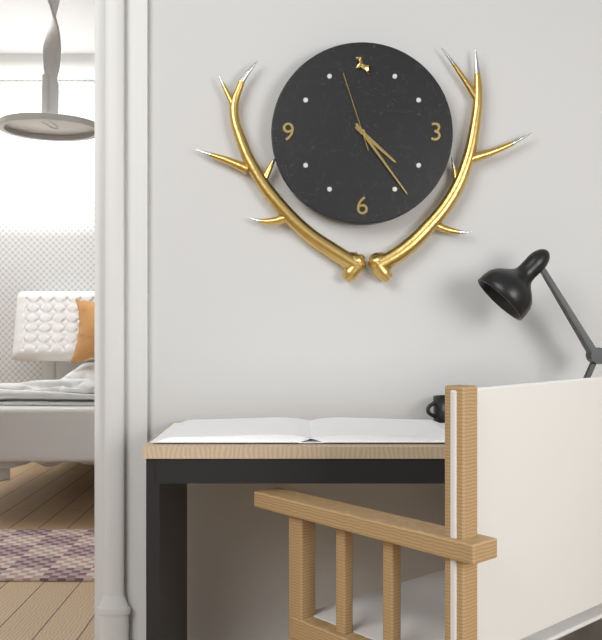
{"hour": 4, "minute": 24, "second": 57}
